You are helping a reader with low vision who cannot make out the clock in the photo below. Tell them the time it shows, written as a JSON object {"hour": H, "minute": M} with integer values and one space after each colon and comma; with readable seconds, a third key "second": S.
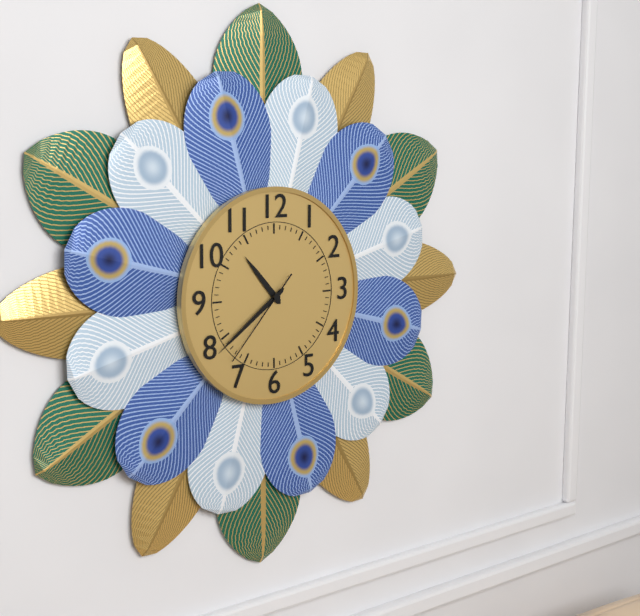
{"hour": 10, "minute": 39, "second": 37}
